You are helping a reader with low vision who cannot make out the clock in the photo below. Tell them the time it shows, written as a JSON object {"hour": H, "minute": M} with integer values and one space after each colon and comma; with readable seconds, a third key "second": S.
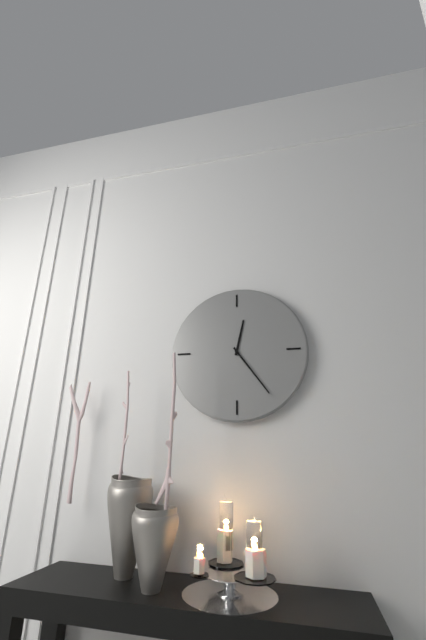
{"hour": 12, "minute": 24}
